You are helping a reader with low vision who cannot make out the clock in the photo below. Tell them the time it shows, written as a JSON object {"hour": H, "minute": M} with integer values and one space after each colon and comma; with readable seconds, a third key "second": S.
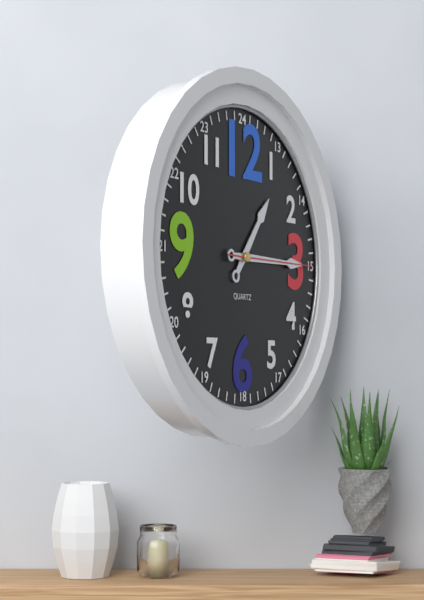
{"hour": 1, "minute": 15, "second": 15}
